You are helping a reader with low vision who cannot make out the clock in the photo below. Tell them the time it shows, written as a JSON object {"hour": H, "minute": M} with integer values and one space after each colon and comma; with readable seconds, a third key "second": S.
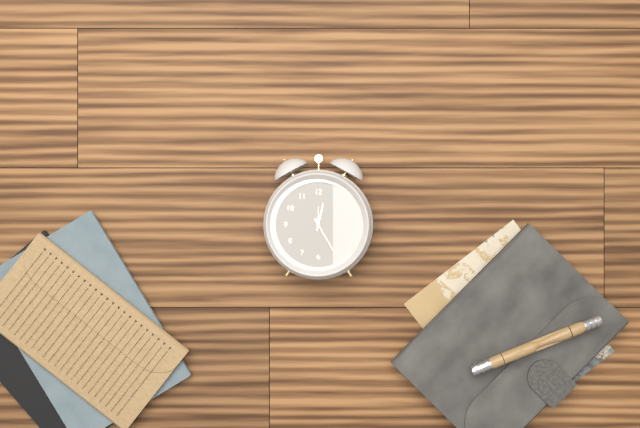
{"hour": 12, "minute": 25}
